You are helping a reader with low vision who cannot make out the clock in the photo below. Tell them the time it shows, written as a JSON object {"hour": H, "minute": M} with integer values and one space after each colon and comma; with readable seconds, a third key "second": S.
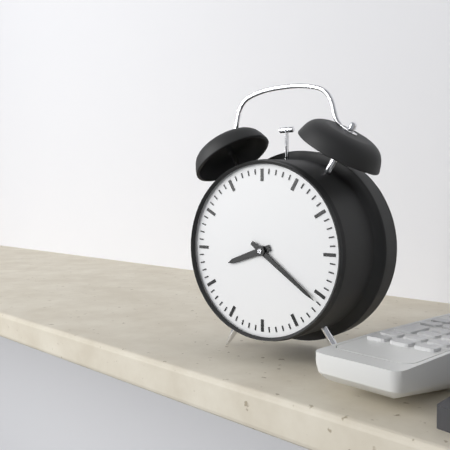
{"hour": 8, "minute": 21}
